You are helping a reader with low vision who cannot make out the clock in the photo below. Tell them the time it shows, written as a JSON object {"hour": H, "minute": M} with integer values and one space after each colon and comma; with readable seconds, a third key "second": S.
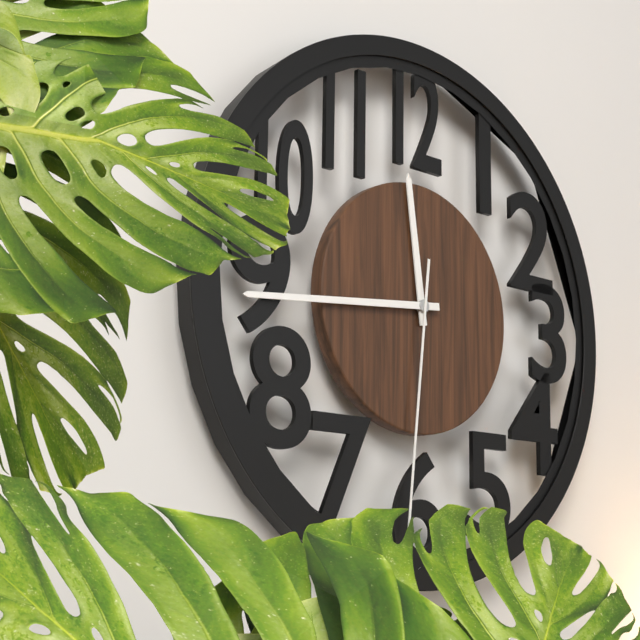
{"hour": 11, "minute": 44, "second": 31}
